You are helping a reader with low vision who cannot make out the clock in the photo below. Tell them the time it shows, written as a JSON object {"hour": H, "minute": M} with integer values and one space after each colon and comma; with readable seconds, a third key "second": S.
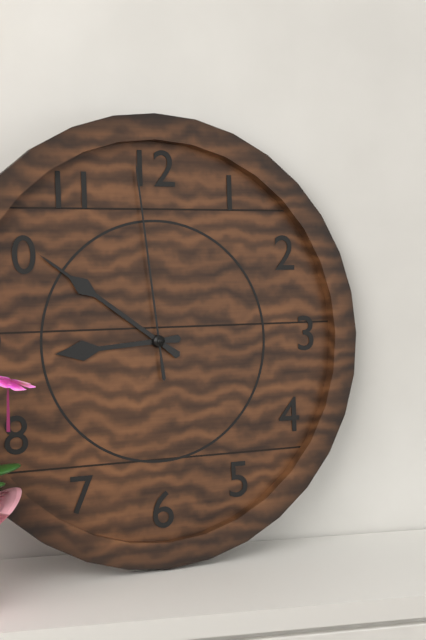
{"hour": 8, "minute": 51, "second": 59}
